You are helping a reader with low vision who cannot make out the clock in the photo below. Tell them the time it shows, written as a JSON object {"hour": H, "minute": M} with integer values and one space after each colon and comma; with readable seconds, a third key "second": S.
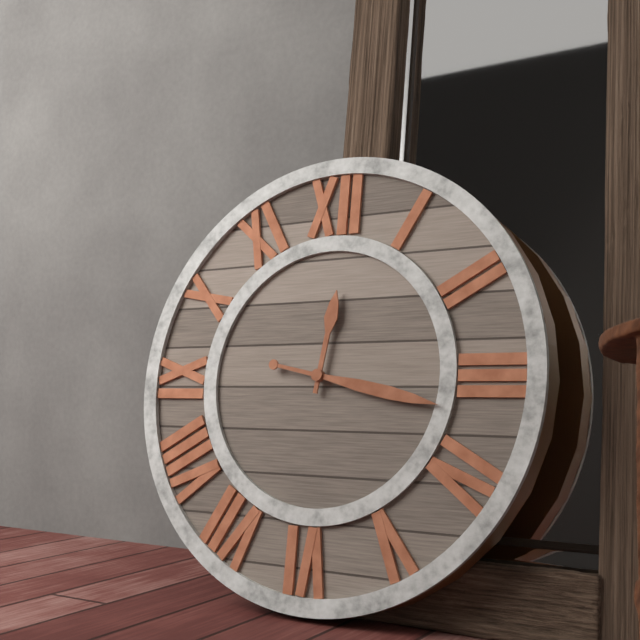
{"hour": 12, "minute": 17}
